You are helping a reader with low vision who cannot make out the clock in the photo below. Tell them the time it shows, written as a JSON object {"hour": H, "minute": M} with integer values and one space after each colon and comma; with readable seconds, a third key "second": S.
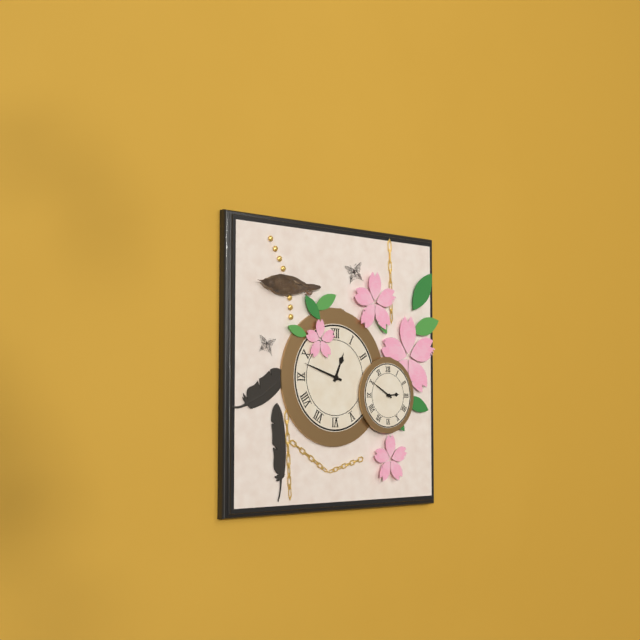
{"hour": 12, "minute": 48}
